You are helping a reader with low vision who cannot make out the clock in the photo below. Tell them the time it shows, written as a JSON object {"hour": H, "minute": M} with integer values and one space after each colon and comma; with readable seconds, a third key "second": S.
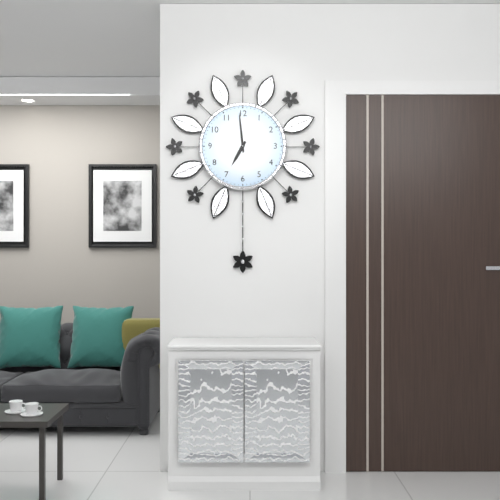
{"hour": 6, "minute": 59}
